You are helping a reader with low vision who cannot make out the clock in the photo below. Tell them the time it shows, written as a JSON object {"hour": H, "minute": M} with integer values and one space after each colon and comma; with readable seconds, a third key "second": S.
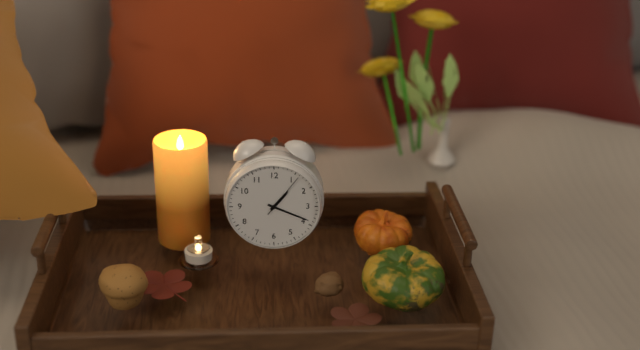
{"hour": 1, "minute": 19}
